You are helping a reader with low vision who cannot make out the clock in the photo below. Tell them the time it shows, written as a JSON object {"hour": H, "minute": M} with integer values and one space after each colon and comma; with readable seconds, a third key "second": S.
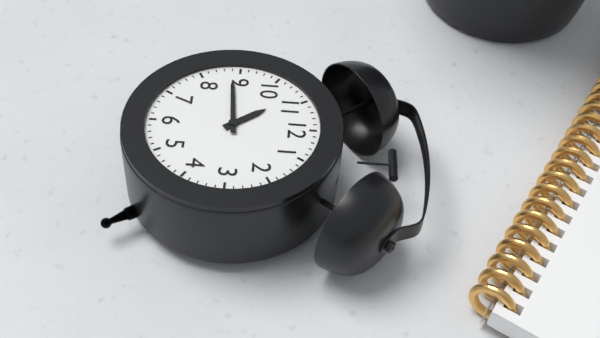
{"hour": 10, "minute": 44}
